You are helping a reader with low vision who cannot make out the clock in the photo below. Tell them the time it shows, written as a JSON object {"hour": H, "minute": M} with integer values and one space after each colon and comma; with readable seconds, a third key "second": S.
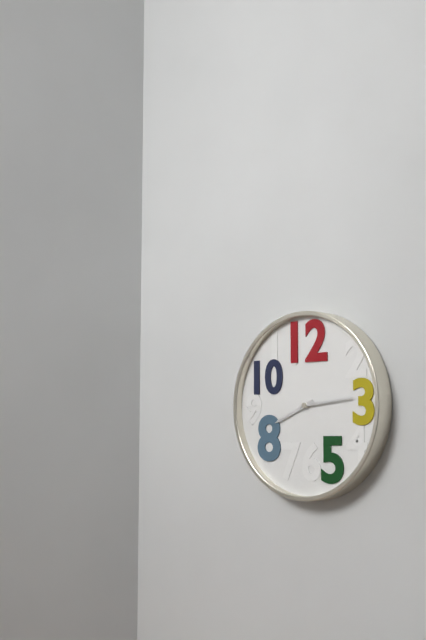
{"hour": 8, "minute": 14}
